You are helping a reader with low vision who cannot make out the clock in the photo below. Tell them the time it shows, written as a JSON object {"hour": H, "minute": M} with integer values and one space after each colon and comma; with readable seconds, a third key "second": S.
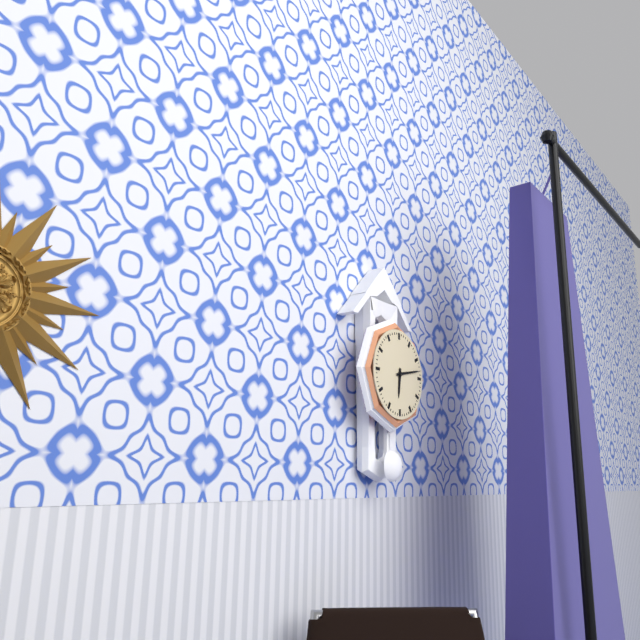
{"hour": 6, "minute": 13}
